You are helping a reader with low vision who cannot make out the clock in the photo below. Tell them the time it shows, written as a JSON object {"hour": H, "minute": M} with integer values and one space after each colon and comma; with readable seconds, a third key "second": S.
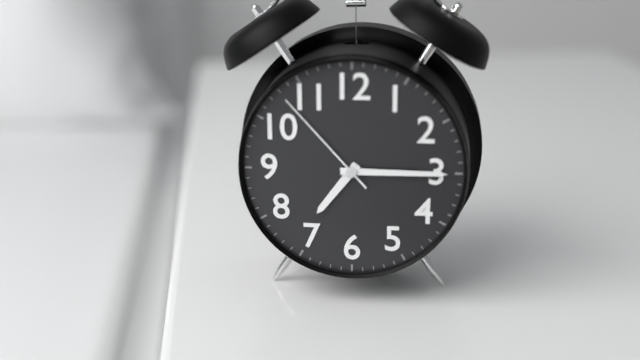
{"hour": 7, "minute": 15, "second": 53}
